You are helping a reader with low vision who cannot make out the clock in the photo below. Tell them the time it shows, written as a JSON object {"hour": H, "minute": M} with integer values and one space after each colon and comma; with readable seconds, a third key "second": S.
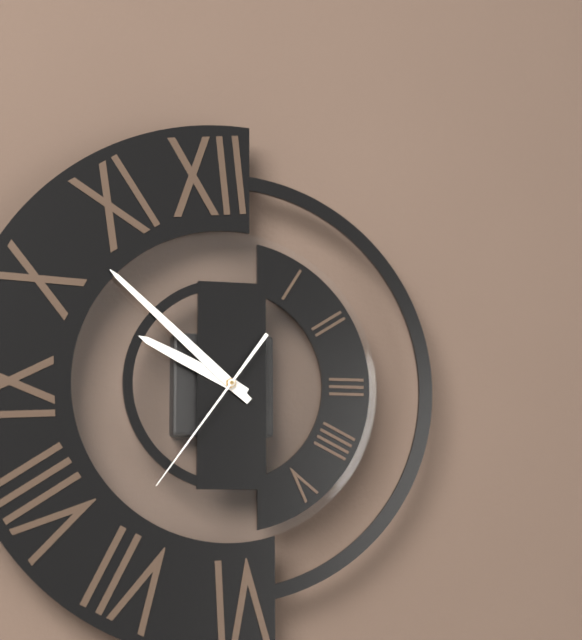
{"hour": 9, "minute": 52, "second": 36}
